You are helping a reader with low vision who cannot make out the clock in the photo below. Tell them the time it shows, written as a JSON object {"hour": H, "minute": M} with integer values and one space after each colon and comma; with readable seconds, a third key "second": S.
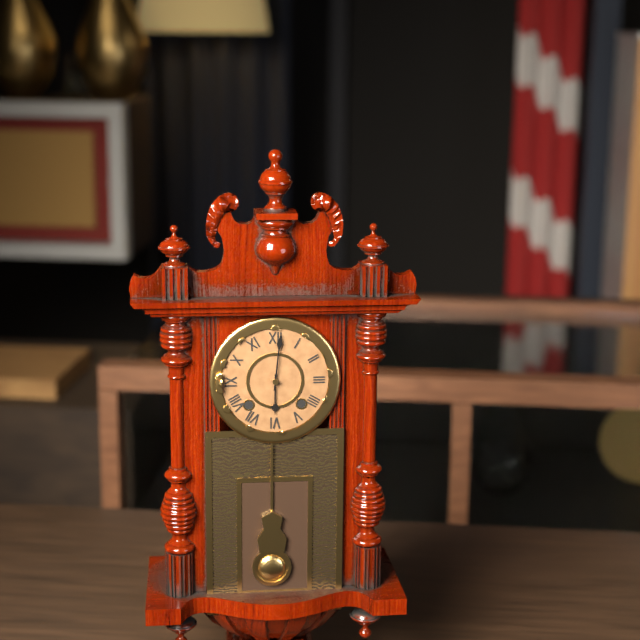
{"hour": 6, "minute": 1}
